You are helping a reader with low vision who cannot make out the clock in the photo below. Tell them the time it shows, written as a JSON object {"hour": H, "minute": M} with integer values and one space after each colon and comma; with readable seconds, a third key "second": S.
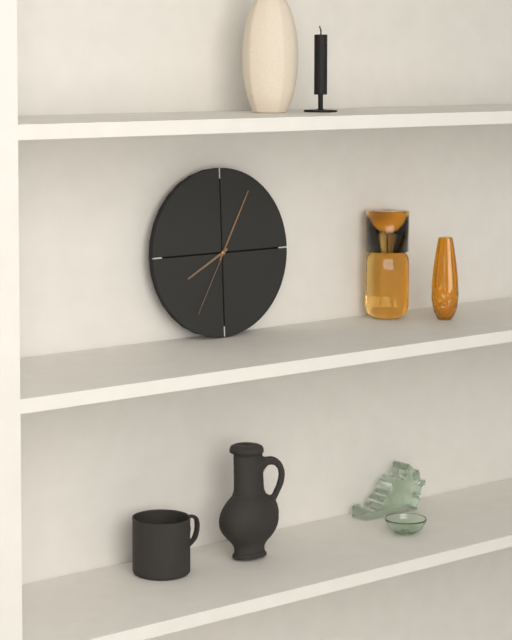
{"hour": 8, "minute": 5, "second": 35}
